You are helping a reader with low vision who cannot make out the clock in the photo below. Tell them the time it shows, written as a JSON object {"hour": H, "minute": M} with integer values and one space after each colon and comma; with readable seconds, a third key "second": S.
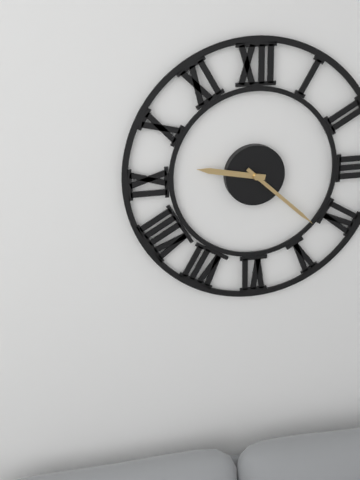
{"hour": 9, "minute": 22}
